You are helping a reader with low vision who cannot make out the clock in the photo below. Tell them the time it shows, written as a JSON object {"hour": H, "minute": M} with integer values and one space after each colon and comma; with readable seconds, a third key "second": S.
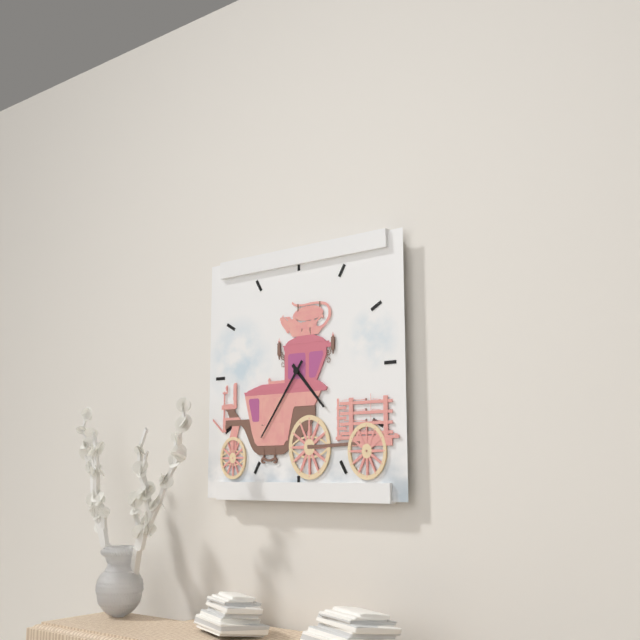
{"hour": 4, "minute": 36}
